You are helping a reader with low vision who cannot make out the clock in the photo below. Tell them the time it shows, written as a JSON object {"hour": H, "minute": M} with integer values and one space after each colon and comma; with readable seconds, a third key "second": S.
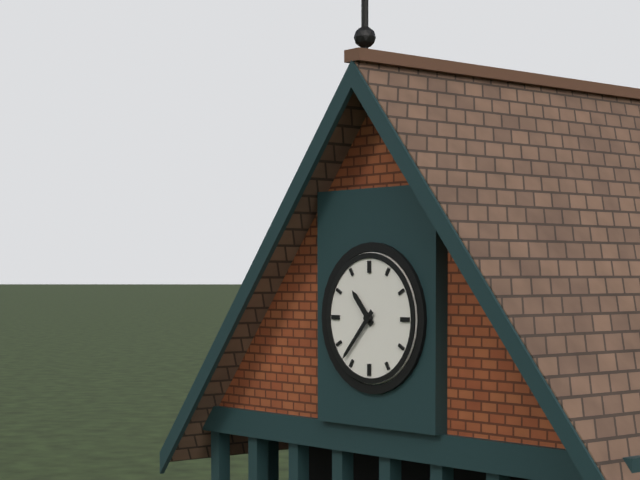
{"hour": 10, "minute": 37}
